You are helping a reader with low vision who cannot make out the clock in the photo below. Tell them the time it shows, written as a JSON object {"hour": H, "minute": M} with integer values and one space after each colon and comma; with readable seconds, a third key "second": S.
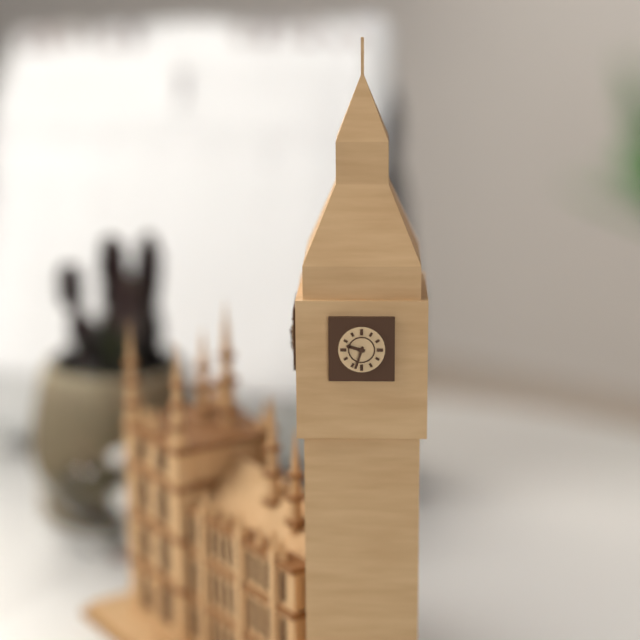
{"hour": 9, "minute": 33}
